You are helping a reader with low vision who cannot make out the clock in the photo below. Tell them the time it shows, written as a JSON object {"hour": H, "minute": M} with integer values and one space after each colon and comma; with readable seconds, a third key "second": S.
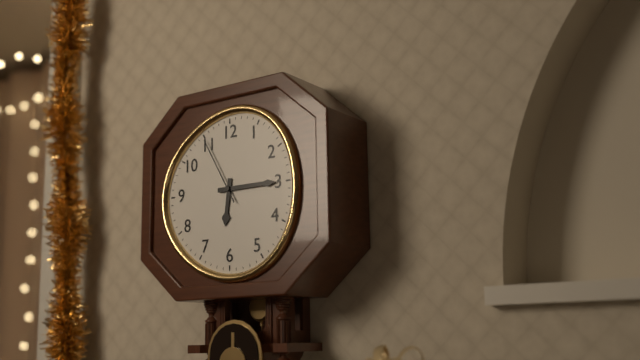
{"hour": 6, "minute": 15, "second": 55}
